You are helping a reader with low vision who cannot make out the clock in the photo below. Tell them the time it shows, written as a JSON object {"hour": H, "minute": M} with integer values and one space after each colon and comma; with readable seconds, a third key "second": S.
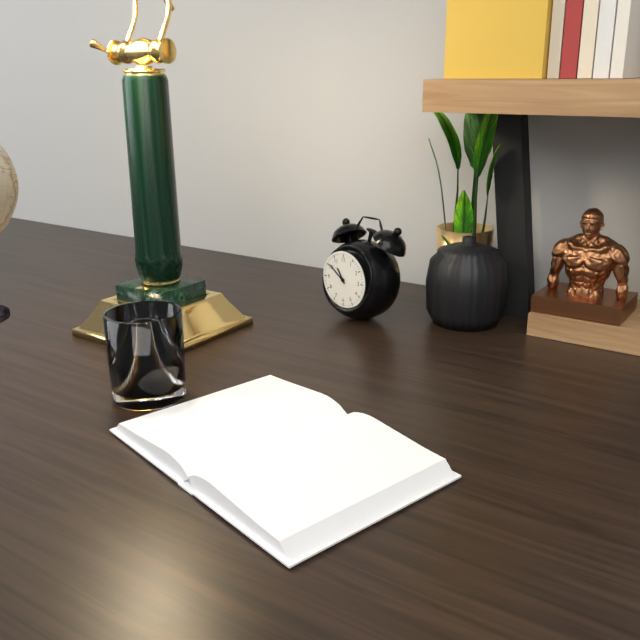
{"hour": 10, "minute": 51}
